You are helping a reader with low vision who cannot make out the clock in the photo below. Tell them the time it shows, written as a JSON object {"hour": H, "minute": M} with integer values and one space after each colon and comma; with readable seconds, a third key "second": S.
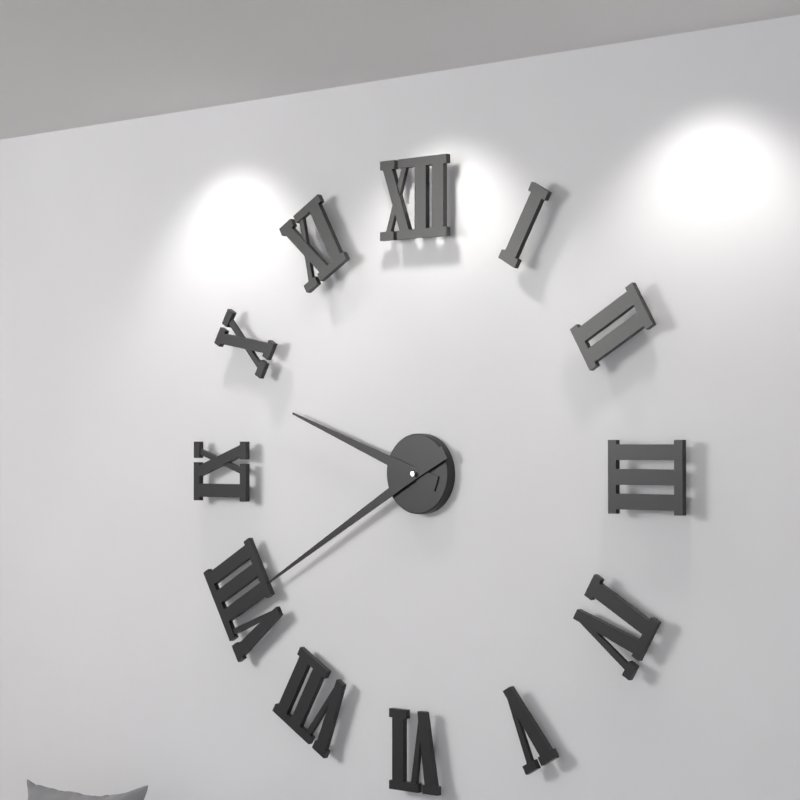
{"hour": 9, "minute": 40}
